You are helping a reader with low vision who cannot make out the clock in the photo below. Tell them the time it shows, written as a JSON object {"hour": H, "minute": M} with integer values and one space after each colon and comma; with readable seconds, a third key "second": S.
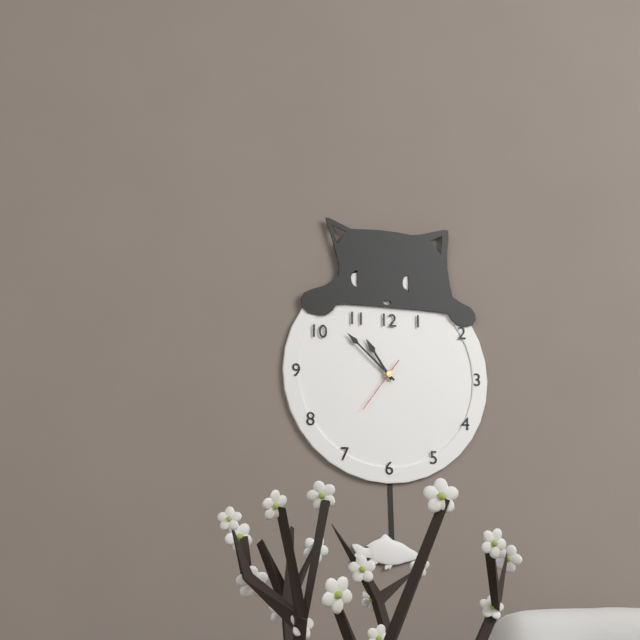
{"hour": 10, "minute": 52, "second": 36}
